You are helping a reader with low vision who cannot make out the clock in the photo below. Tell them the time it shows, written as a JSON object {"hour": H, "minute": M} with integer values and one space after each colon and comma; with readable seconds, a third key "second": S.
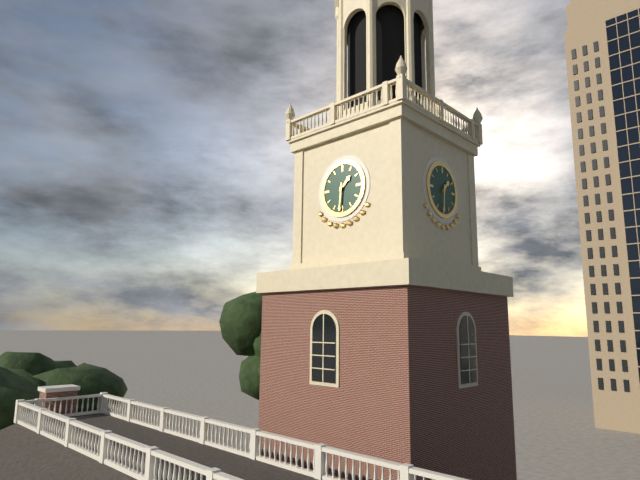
{"hour": 1, "minute": 31}
